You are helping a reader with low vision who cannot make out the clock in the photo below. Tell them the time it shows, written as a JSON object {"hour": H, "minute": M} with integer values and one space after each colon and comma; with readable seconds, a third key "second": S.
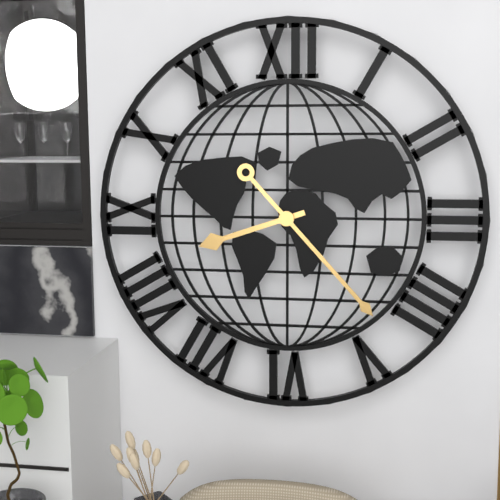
{"hour": 8, "minute": 23}
